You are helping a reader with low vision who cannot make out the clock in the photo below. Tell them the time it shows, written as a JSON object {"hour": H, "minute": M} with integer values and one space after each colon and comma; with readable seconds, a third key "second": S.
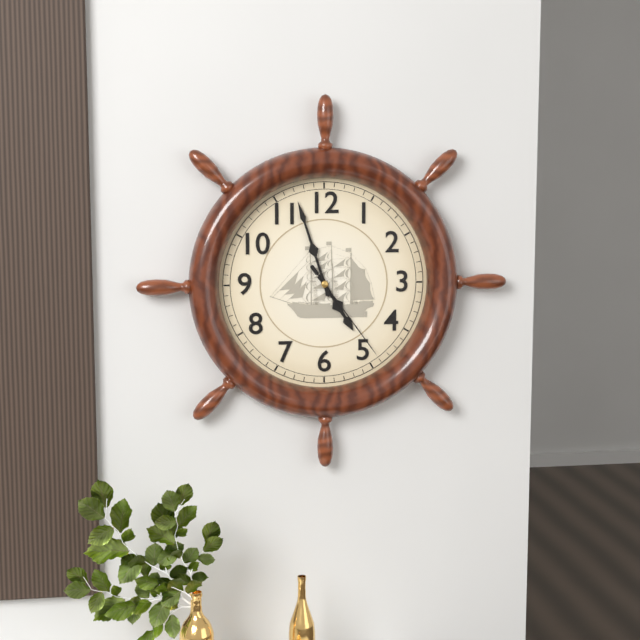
{"hour": 4, "minute": 57, "second": 24}
